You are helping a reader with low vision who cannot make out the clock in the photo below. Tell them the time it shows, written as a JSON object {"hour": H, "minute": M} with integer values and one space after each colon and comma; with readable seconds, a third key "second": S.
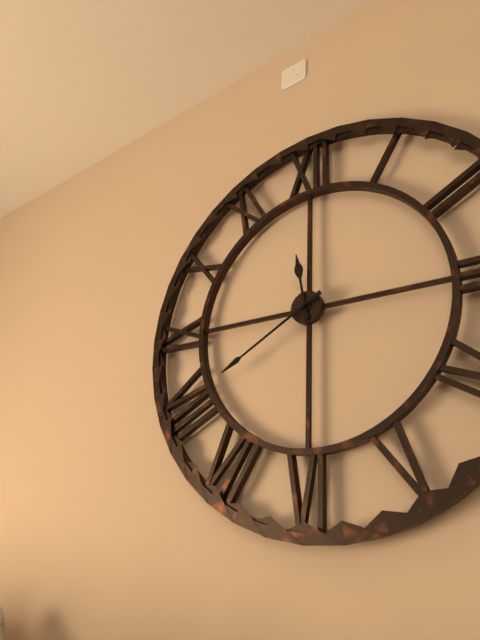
{"hour": 11, "minute": 40}
